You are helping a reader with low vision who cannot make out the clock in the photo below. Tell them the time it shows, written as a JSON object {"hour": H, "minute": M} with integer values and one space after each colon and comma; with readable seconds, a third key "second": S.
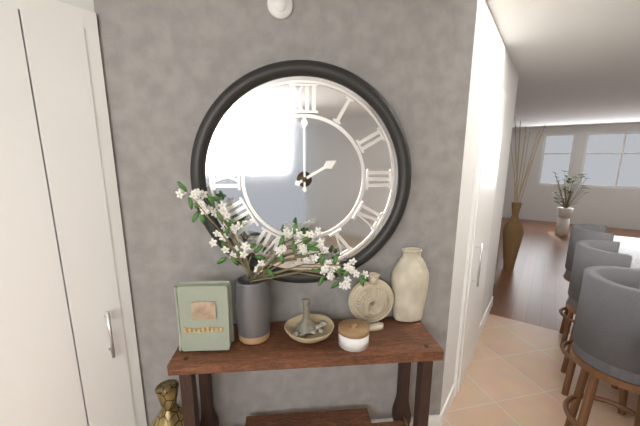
{"hour": 2, "minute": 0}
